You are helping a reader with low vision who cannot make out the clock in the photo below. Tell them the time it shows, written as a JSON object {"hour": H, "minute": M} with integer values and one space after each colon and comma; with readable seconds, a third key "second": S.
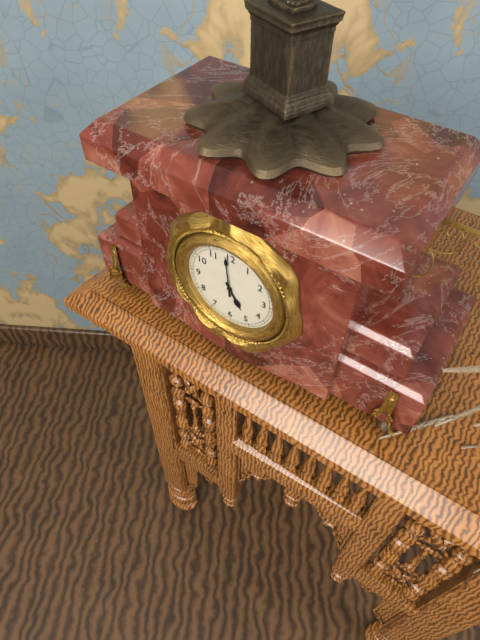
{"hour": 4, "minute": 59}
